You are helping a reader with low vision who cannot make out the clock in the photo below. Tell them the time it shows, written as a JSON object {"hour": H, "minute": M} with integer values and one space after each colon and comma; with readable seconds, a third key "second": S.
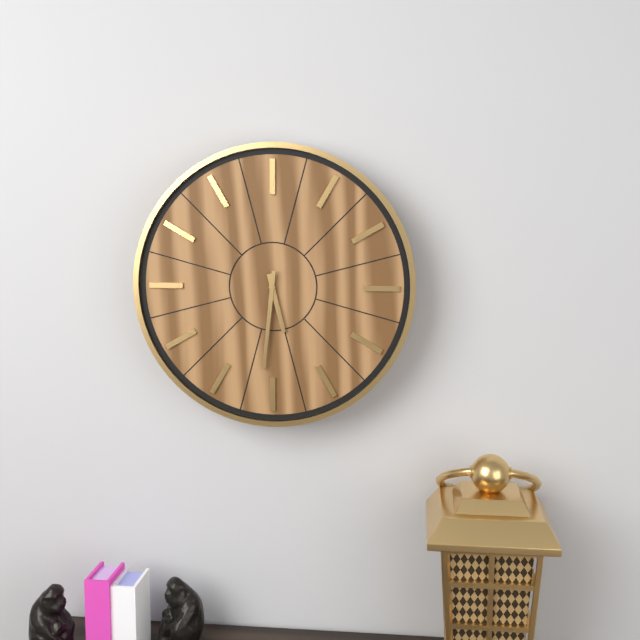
{"hour": 5, "minute": 31}
